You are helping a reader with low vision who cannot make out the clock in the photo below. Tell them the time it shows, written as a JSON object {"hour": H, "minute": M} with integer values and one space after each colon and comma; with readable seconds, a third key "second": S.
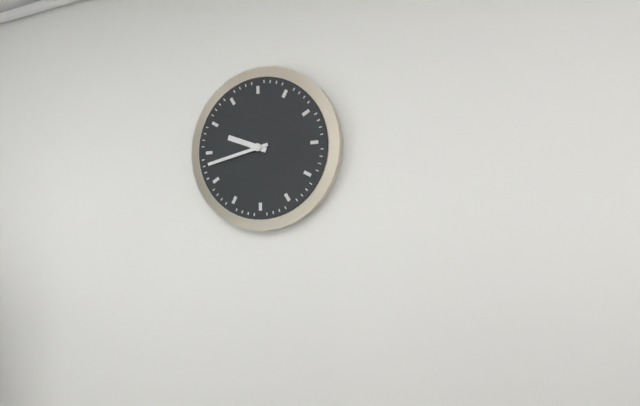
{"hour": 9, "minute": 43}
